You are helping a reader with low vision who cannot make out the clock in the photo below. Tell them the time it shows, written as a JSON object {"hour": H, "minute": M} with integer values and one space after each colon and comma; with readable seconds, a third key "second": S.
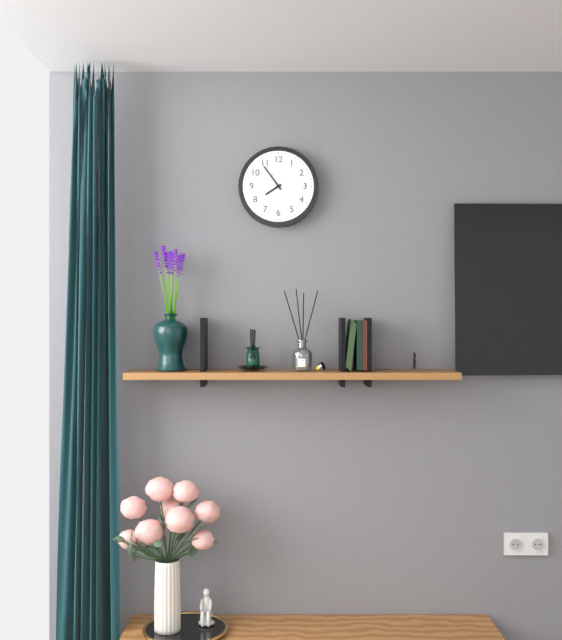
{"hour": 7, "minute": 54}
